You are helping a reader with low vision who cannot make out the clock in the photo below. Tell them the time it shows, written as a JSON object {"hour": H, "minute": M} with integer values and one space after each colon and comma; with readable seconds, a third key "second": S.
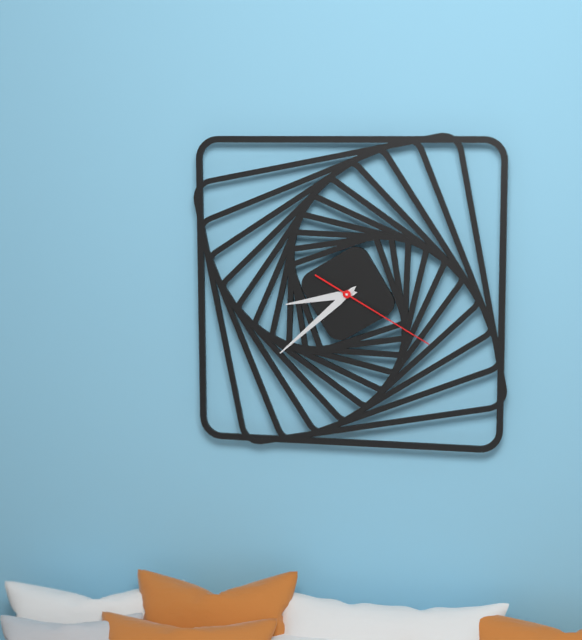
{"hour": 8, "minute": 38, "second": 20}
